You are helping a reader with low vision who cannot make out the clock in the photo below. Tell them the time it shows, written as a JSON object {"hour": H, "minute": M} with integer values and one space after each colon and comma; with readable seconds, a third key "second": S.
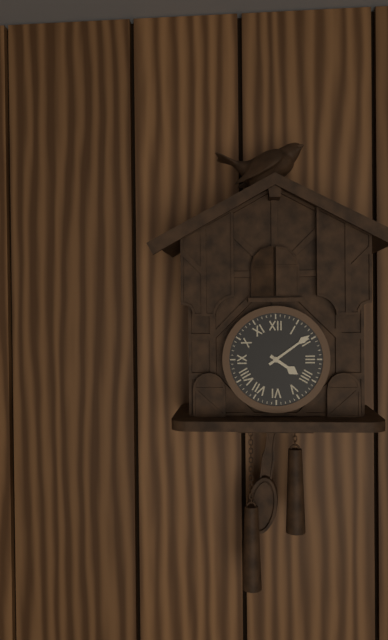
{"hour": 4, "minute": 9}
